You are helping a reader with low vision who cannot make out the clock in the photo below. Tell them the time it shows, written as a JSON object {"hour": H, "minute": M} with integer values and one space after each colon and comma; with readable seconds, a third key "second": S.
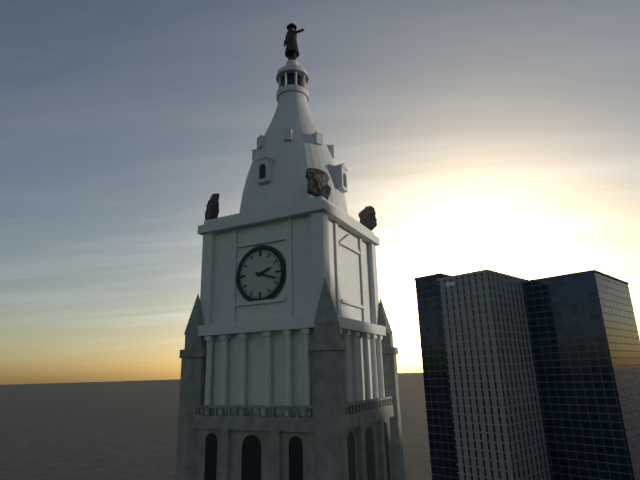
{"hour": 2, "minute": 18}
